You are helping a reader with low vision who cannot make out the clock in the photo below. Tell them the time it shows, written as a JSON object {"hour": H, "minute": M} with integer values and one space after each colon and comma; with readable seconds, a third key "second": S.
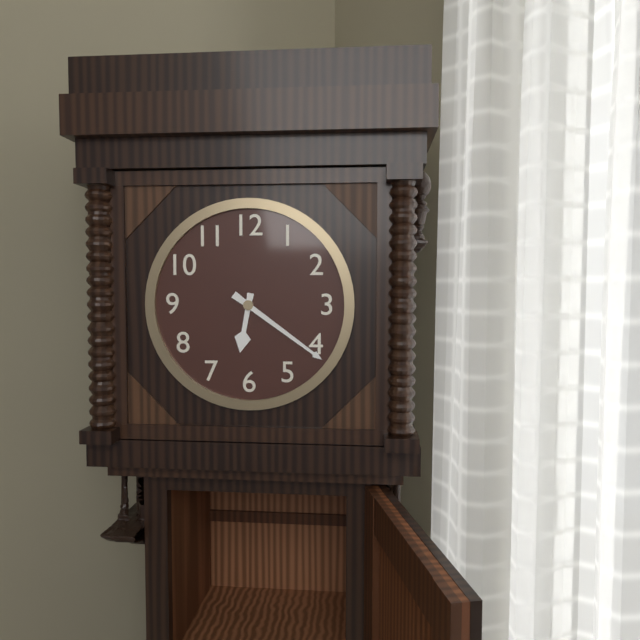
{"hour": 6, "minute": 21}
